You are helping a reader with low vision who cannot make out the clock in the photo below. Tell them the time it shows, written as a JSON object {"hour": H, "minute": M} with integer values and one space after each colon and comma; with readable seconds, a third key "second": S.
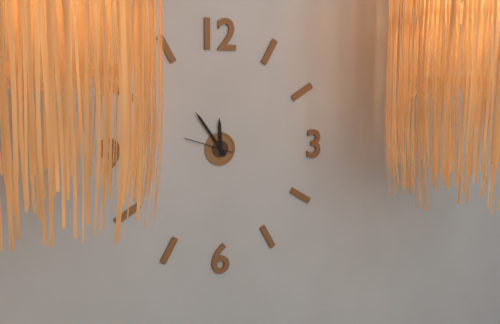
{"hour": 11, "minute": 54}
